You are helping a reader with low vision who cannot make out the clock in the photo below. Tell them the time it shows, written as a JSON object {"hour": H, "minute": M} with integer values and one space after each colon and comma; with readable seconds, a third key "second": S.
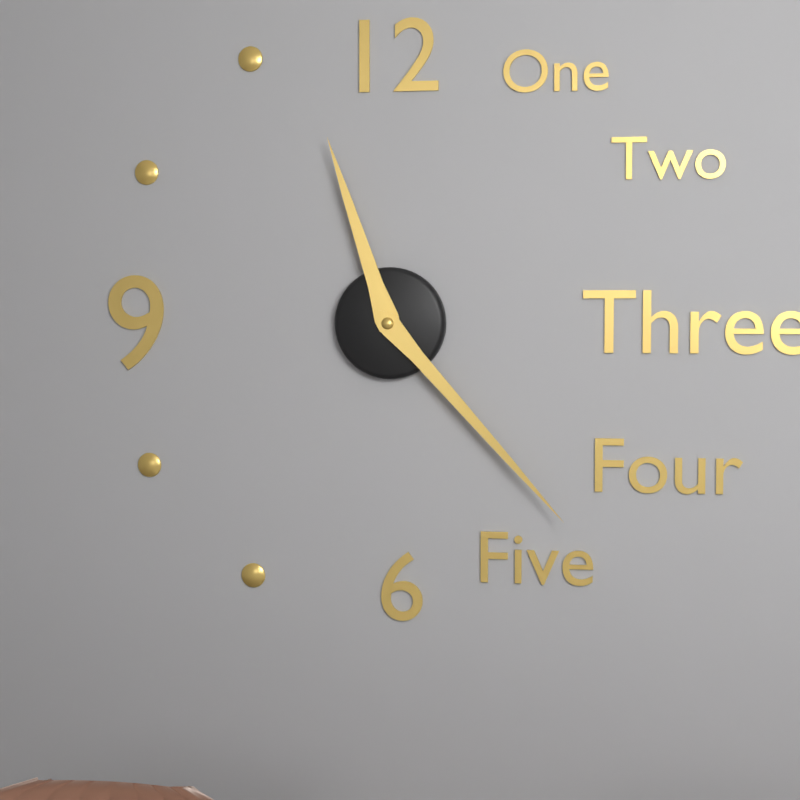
{"hour": 11, "minute": 23}
